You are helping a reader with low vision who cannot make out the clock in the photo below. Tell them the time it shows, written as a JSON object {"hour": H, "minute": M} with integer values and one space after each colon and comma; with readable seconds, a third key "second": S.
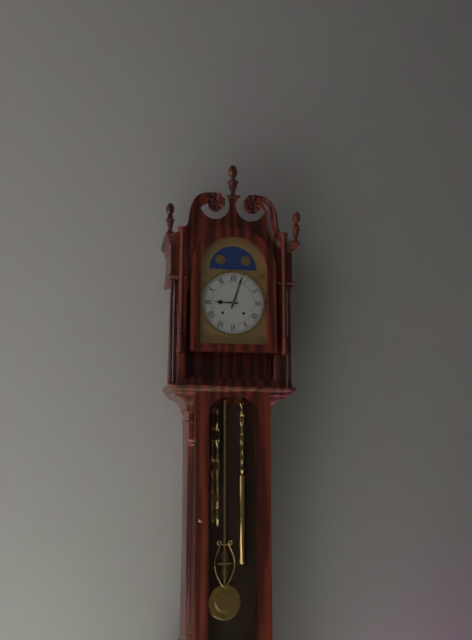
{"hour": 9, "minute": 3}
